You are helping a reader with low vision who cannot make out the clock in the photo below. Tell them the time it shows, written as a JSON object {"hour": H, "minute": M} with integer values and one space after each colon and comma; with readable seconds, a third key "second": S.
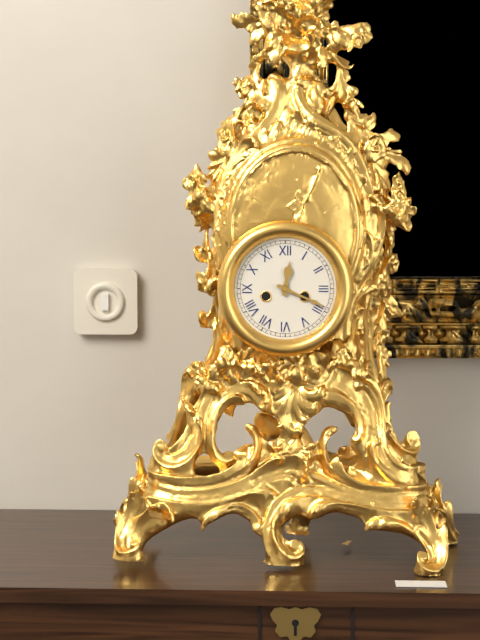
{"hour": 12, "minute": 19}
